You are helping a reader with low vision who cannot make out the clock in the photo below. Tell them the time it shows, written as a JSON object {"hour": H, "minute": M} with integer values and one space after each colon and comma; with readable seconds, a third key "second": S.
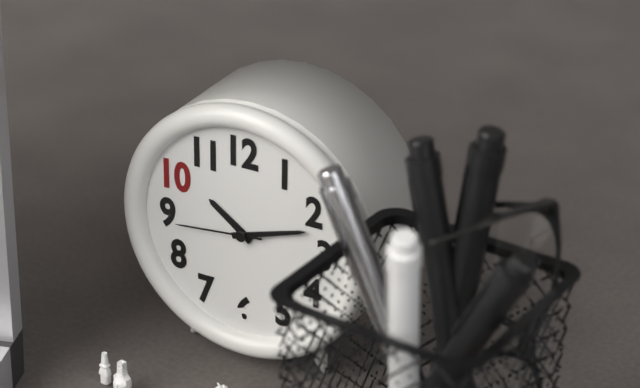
{"hour": 10, "minute": 12, "second": 44}
